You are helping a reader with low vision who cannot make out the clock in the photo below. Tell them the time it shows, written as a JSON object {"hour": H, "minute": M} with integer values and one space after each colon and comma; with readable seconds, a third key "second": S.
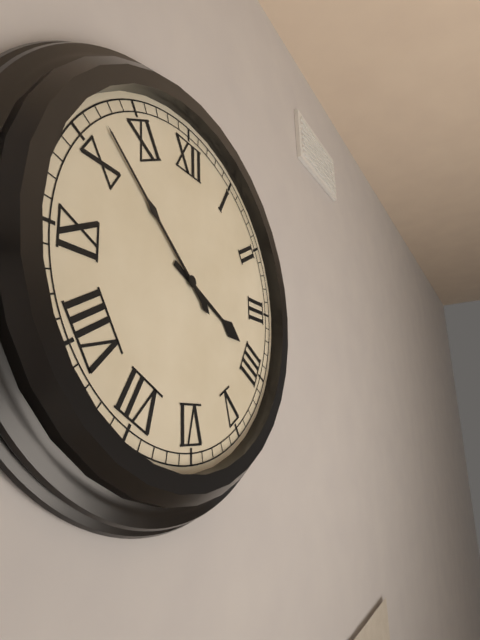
{"hour": 3, "minute": 52}
